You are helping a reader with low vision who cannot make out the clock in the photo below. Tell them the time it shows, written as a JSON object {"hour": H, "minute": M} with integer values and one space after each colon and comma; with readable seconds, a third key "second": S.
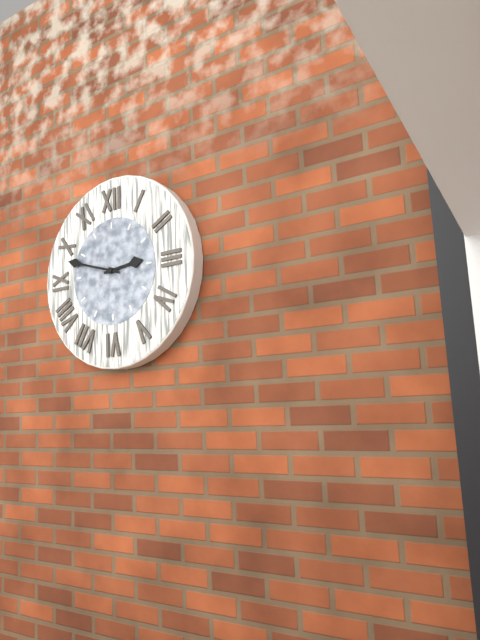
{"hour": 2, "minute": 48}
